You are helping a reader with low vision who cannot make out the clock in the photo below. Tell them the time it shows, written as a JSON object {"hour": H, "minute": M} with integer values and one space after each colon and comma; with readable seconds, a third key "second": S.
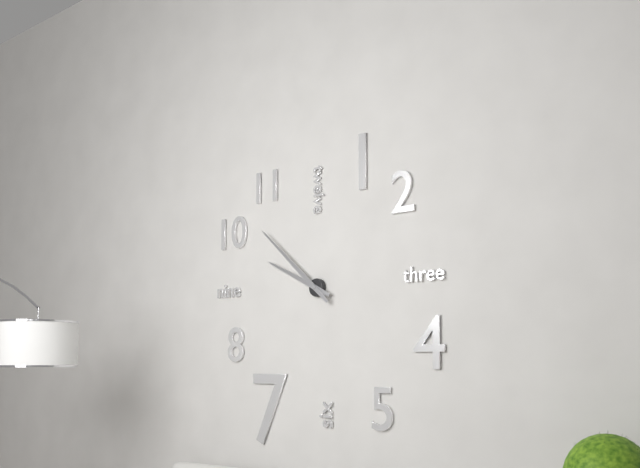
{"hour": 9, "minute": 52}
